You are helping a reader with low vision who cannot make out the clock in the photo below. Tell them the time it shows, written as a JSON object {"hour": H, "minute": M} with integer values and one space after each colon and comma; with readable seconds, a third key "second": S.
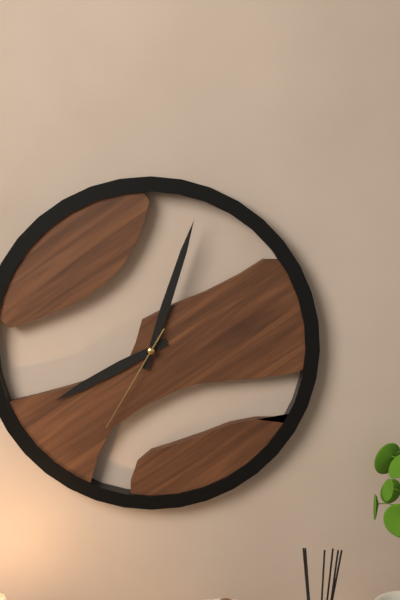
{"hour": 8, "minute": 3, "second": 35}
